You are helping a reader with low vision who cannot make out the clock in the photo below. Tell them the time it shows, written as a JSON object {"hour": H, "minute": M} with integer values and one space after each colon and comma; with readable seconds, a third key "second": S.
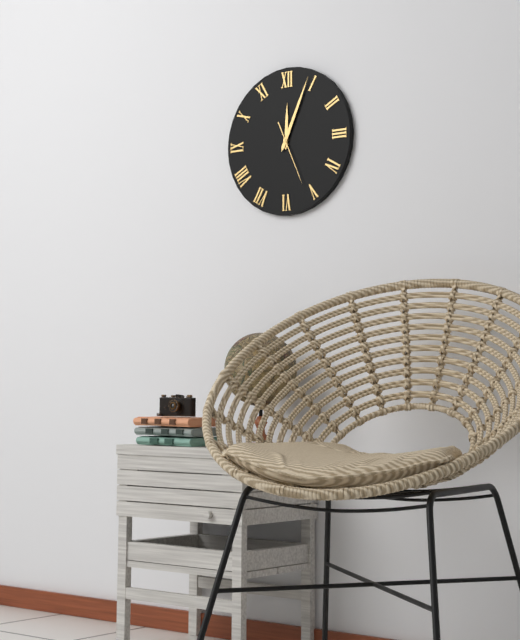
{"hour": 12, "minute": 4, "second": 26}
